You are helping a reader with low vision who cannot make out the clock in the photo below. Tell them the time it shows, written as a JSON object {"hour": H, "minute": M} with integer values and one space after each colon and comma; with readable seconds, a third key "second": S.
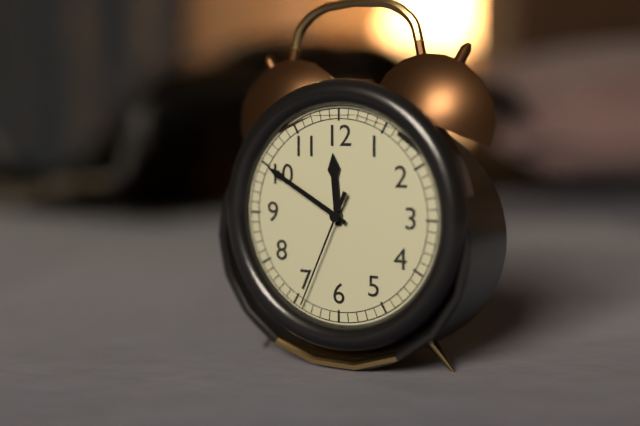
{"hour": 11, "minute": 50, "second": 34}
